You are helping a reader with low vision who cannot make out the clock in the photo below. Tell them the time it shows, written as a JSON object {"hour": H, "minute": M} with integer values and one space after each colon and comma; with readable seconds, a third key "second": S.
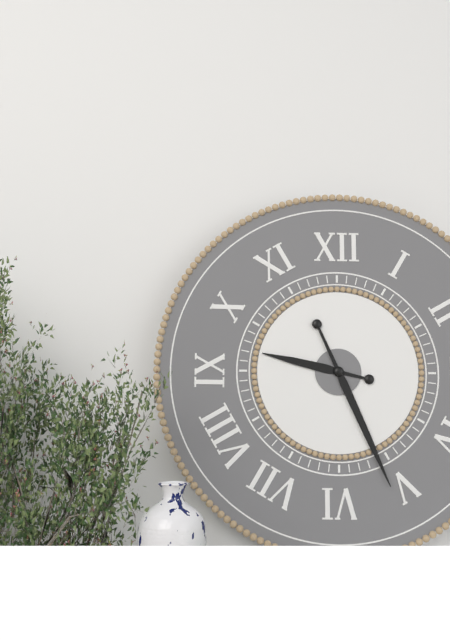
{"hour": 9, "minute": 26}
